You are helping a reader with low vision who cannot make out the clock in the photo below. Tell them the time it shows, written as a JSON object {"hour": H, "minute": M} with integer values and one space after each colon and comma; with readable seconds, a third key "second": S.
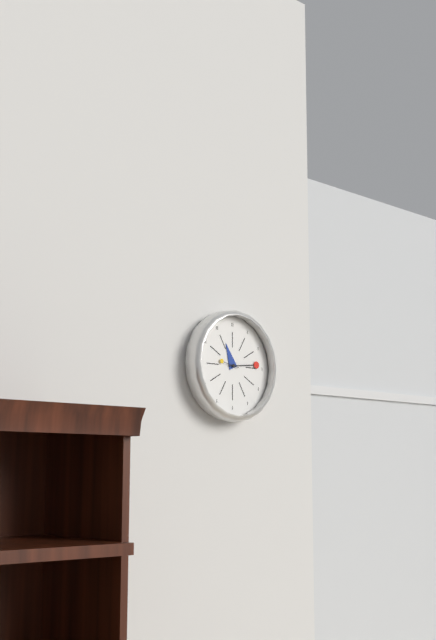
{"hour": 11, "minute": 14}
